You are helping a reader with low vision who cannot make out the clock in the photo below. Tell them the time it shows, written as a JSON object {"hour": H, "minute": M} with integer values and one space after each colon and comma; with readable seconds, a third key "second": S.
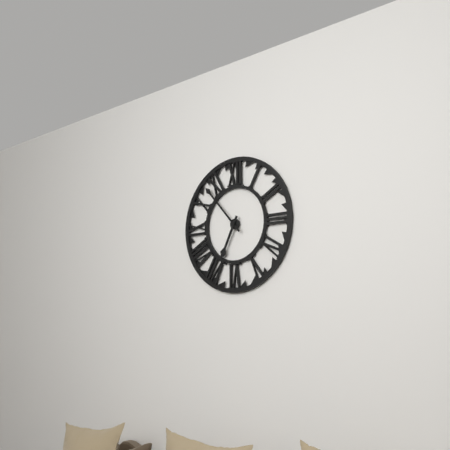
{"hour": 6, "minute": 53}
